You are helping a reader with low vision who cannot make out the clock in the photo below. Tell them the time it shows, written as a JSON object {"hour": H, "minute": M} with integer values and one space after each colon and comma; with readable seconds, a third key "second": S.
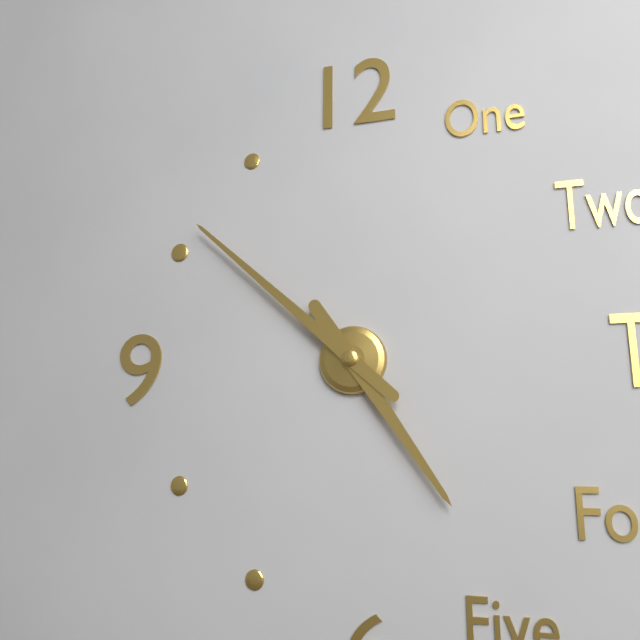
{"hour": 4, "minute": 52}
